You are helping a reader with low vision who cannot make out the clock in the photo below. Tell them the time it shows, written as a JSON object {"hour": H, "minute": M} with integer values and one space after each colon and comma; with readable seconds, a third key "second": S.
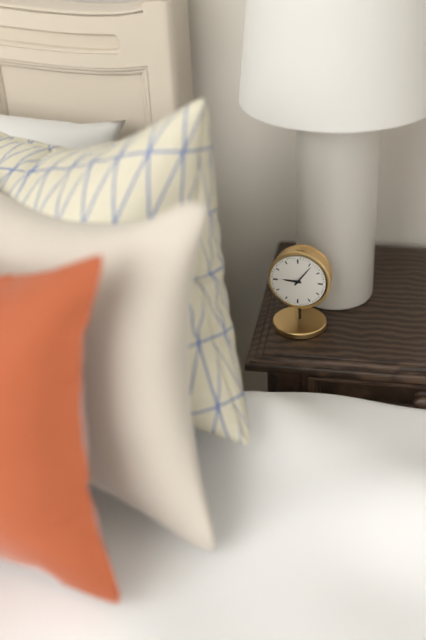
{"hour": 9, "minute": 6}
